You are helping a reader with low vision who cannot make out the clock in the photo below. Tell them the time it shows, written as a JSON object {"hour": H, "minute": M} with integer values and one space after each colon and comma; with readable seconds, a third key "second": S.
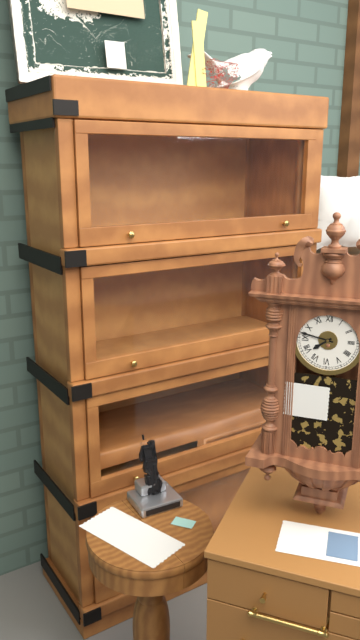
{"hour": 7, "minute": 47}
